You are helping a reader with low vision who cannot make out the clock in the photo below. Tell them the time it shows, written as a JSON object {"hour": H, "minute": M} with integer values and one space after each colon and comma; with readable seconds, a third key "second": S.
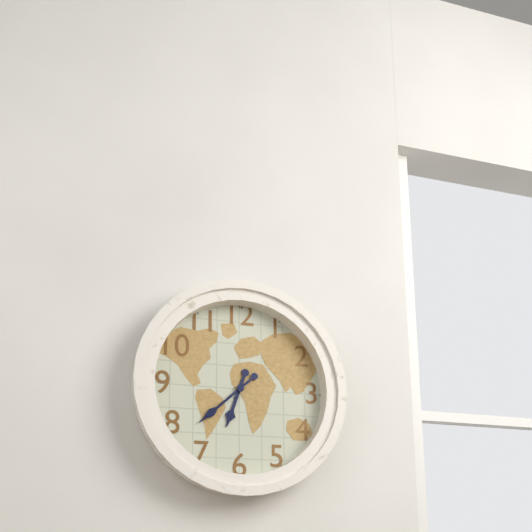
{"hour": 6, "minute": 38}
